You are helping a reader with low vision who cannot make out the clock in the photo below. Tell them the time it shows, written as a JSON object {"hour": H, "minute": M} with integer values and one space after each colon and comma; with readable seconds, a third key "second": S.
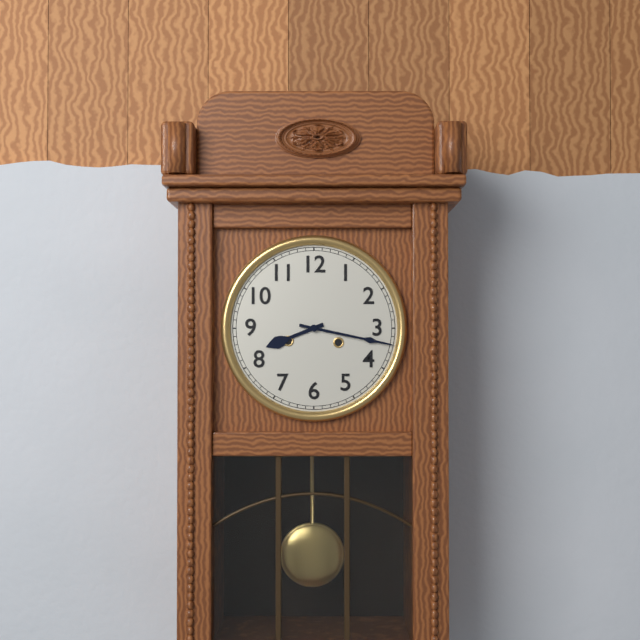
{"hour": 8, "minute": 17}
